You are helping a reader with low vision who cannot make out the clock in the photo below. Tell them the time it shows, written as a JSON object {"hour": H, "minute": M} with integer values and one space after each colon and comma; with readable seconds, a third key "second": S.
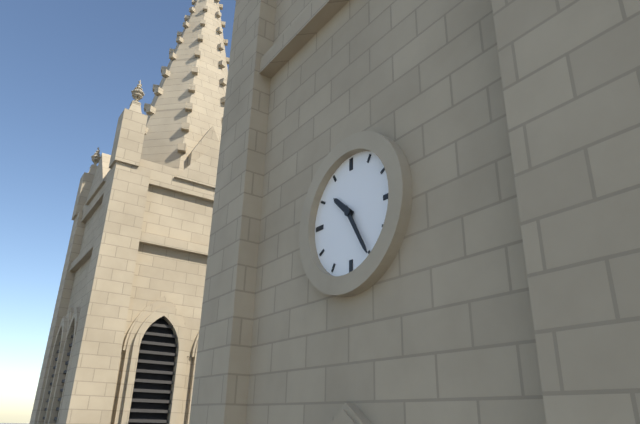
{"hour": 10, "minute": 25}
